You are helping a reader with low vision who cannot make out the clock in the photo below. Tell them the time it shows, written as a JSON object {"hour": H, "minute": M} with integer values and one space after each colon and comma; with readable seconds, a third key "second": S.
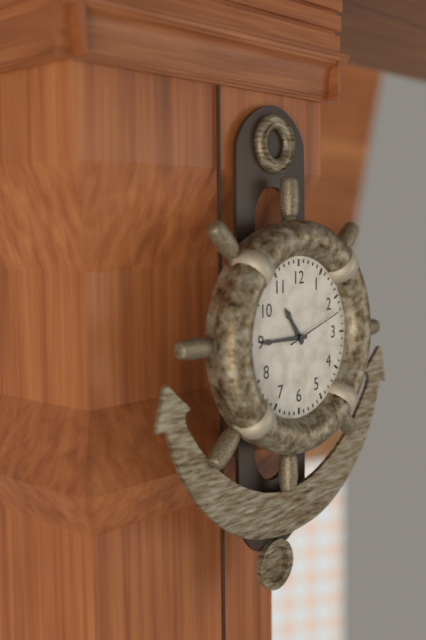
{"hour": 10, "minute": 45, "second": 12}
